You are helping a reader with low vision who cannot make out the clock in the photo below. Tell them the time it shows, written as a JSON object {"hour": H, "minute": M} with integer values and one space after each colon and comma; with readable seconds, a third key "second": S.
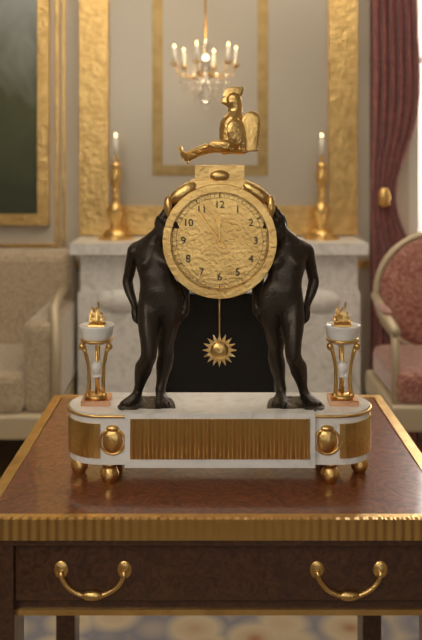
{"hour": 11, "minute": 54}
